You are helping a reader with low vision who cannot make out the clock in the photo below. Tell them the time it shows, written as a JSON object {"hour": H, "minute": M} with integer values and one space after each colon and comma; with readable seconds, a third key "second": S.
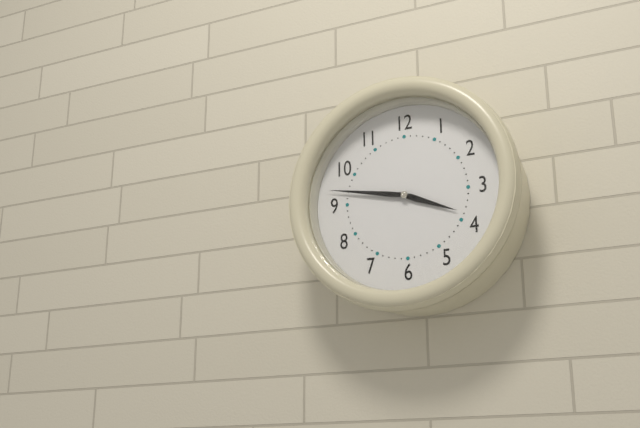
{"hour": 3, "minute": 47}
